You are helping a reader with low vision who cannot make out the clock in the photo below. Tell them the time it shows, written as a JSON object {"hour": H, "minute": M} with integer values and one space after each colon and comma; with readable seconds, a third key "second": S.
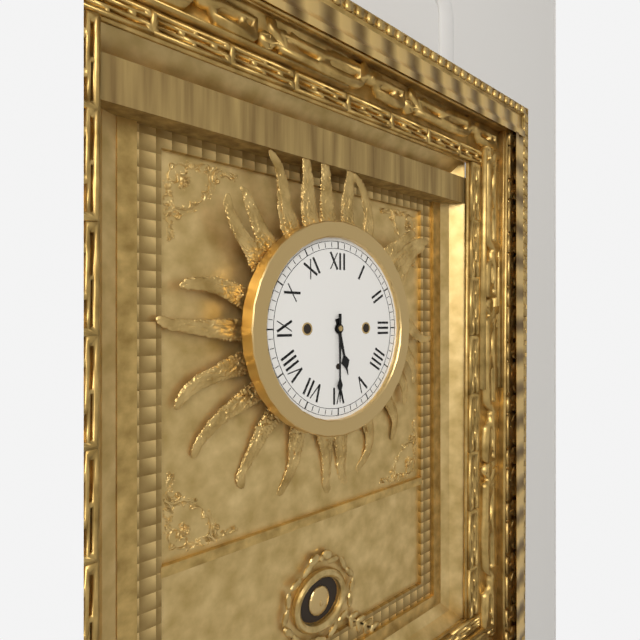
{"hour": 5, "minute": 30}
